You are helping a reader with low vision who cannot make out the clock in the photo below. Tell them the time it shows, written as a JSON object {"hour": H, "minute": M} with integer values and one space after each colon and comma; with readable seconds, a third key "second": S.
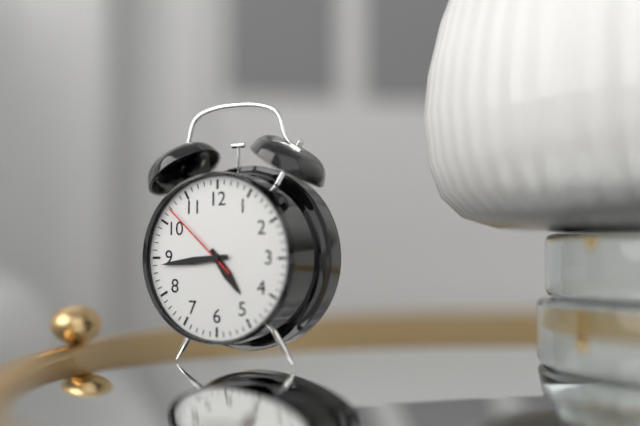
{"hour": 4, "minute": 44, "second": 52}
